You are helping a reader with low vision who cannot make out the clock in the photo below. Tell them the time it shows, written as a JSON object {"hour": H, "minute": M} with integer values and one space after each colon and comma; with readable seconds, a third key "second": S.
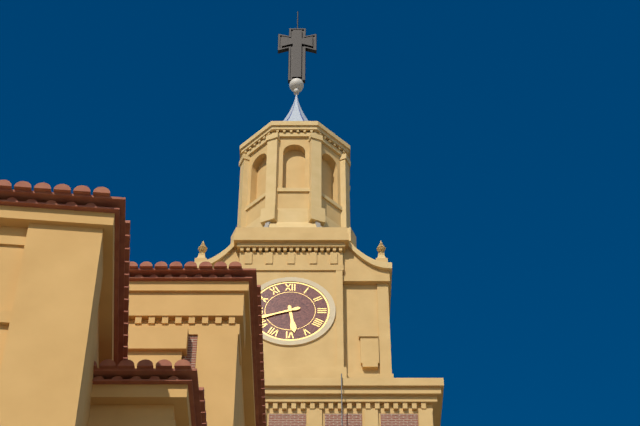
{"hour": 5, "minute": 42}
